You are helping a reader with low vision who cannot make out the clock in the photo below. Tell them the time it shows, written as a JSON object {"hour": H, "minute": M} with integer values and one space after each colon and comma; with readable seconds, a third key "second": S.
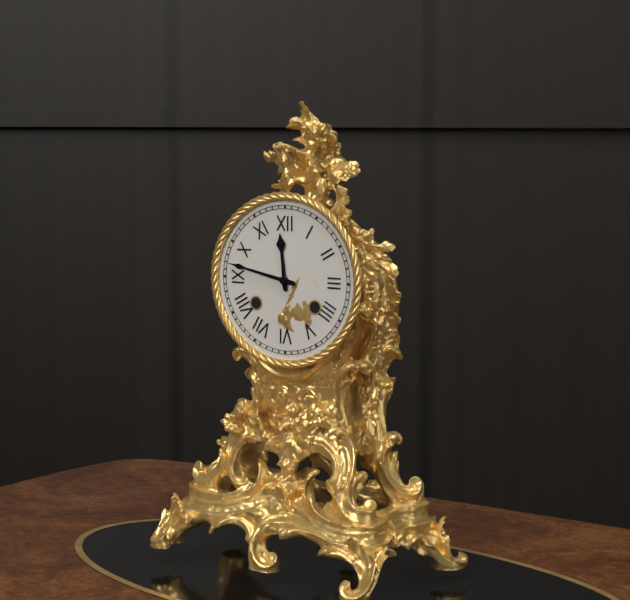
{"hour": 11, "minute": 47}
